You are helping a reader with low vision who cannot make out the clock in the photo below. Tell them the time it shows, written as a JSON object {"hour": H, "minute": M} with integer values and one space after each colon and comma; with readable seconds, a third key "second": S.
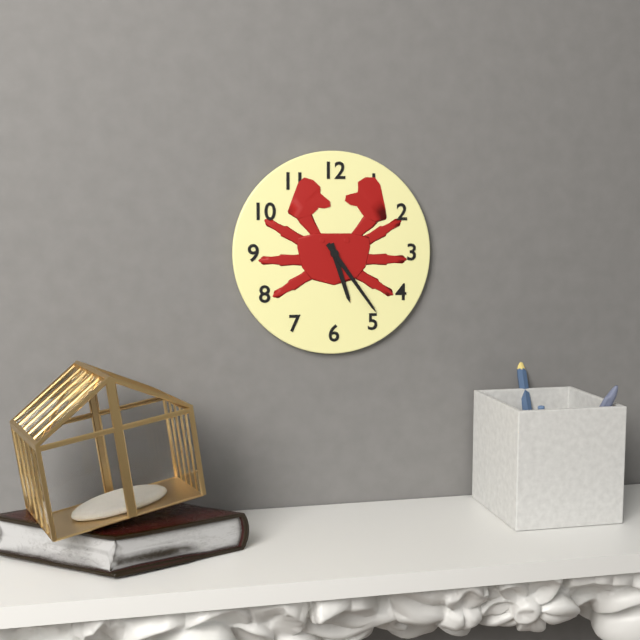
{"hour": 5, "minute": 24}
